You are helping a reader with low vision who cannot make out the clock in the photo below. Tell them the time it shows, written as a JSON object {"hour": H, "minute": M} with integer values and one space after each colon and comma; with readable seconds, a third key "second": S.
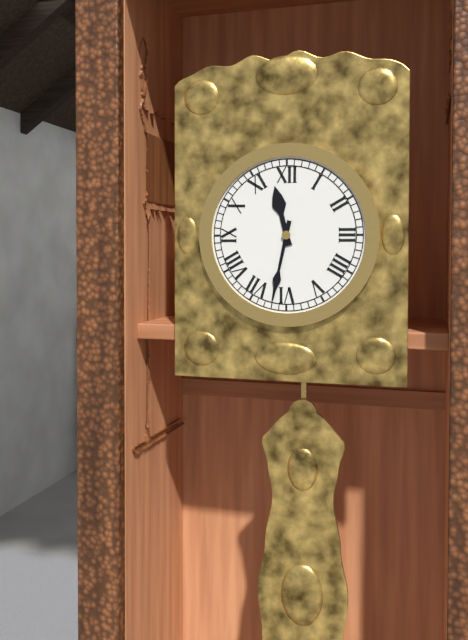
{"hour": 11, "minute": 32}
